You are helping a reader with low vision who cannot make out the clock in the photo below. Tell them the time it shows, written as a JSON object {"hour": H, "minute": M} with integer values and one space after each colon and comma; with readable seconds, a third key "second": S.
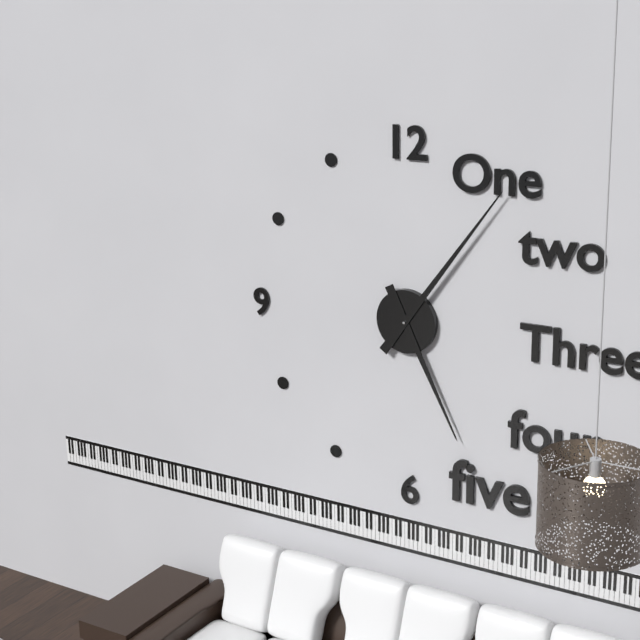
{"hour": 5, "minute": 6}
